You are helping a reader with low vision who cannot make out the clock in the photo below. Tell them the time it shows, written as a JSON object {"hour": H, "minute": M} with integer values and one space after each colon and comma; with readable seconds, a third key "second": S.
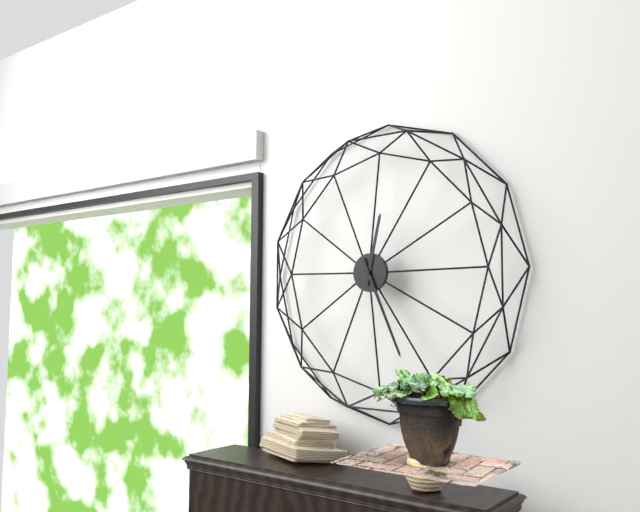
{"hour": 12, "minute": 26}
